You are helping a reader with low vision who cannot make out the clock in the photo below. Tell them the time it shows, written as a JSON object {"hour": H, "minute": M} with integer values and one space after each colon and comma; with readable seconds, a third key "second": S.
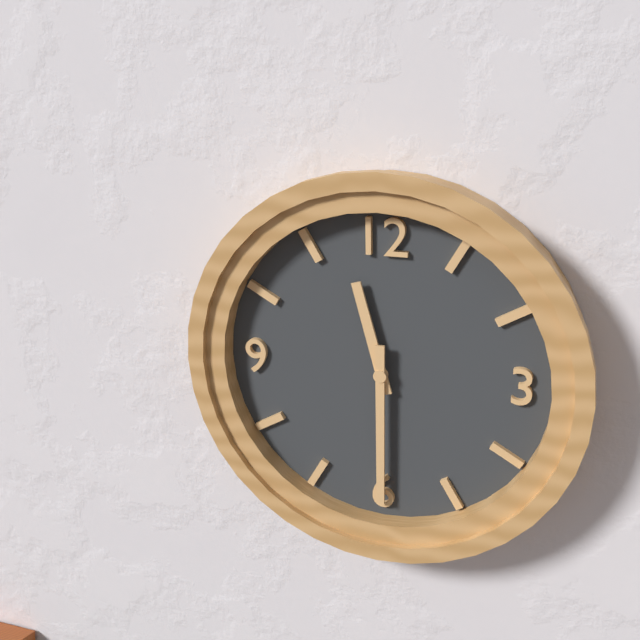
{"hour": 11, "minute": 30}
